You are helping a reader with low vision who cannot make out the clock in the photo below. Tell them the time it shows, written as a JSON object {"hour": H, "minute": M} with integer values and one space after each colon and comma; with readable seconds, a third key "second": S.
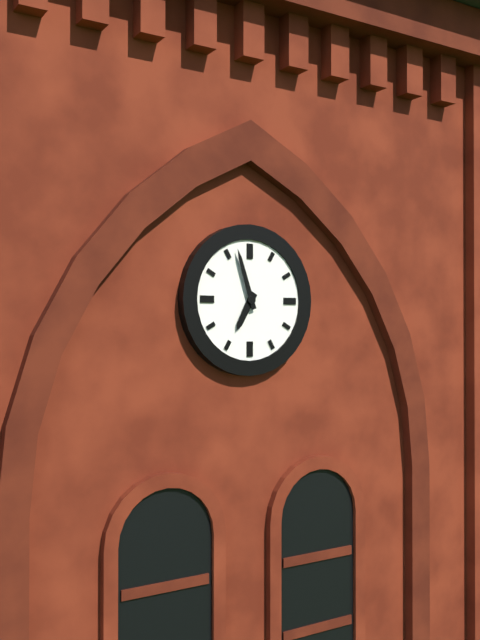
{"hour": 6, "minute": 57}
